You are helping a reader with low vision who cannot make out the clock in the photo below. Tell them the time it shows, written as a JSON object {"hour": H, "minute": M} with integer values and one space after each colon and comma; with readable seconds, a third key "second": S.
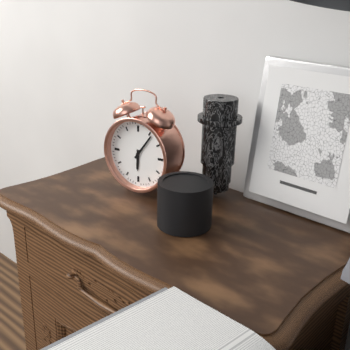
{"hour": 6, "minute": 6}
